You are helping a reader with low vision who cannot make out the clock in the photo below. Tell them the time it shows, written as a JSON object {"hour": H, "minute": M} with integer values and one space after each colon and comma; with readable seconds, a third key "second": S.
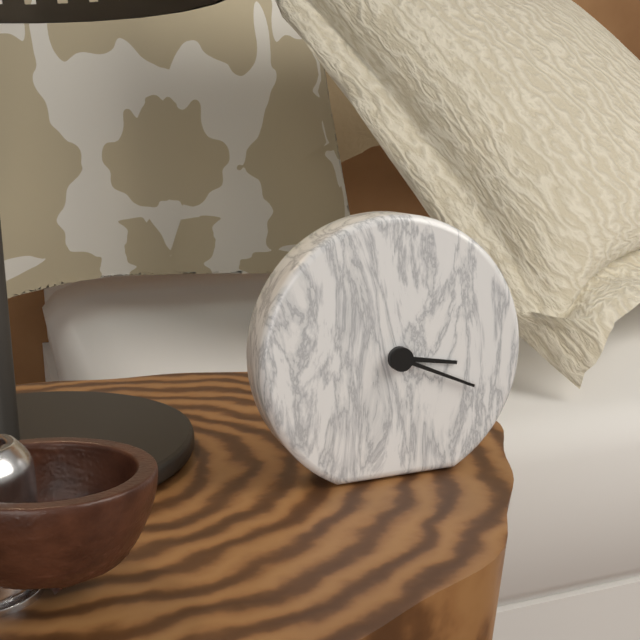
{"hour": 3, "minute": 19}
